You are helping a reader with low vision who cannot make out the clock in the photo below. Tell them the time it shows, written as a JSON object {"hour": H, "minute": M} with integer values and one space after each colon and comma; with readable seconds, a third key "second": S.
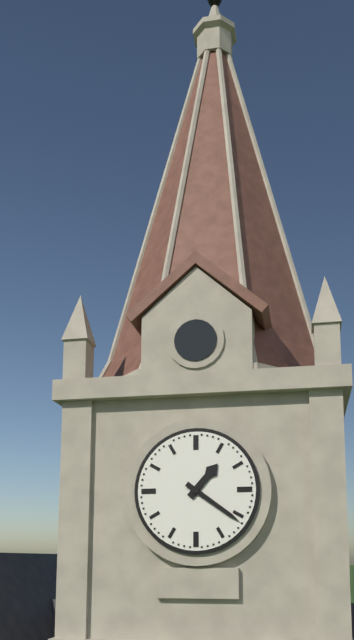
{"hour": 1, "minute": 21}
